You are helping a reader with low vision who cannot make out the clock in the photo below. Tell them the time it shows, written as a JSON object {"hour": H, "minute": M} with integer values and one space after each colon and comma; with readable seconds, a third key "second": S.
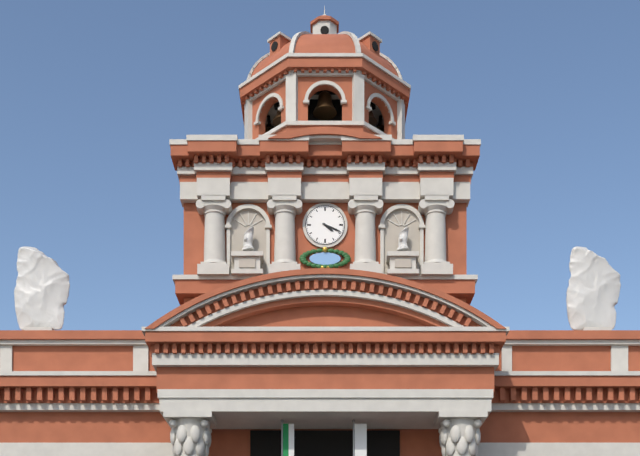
{"hour": 4, "minute": 19}
